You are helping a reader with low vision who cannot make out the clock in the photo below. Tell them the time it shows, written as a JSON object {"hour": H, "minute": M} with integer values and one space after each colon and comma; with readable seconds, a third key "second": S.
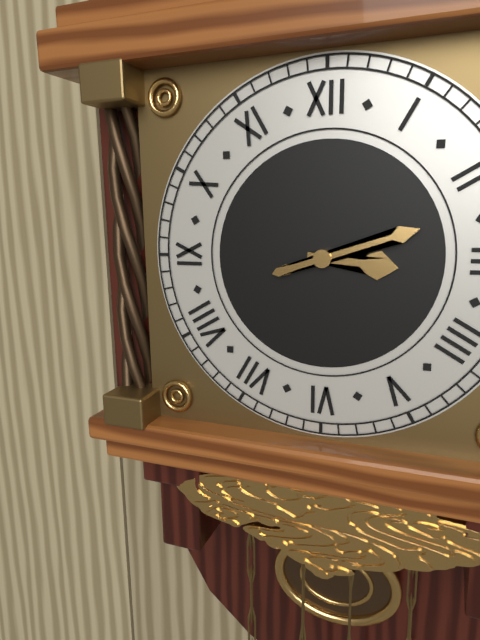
{"hour": 3, "minute": 12}
